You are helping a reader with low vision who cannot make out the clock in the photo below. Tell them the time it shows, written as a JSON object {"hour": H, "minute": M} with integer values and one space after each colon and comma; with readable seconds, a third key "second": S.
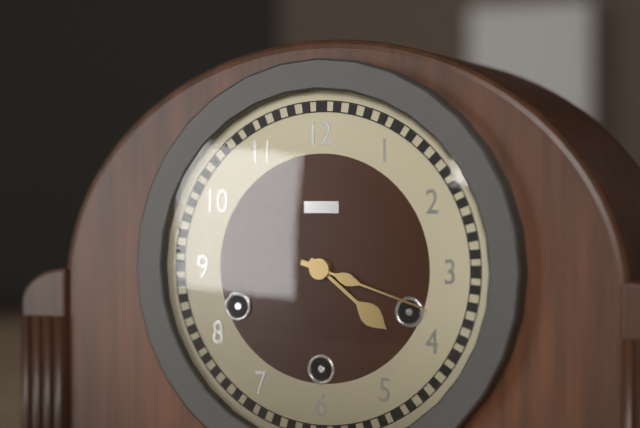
{"hour": 4, "minute": 18}
